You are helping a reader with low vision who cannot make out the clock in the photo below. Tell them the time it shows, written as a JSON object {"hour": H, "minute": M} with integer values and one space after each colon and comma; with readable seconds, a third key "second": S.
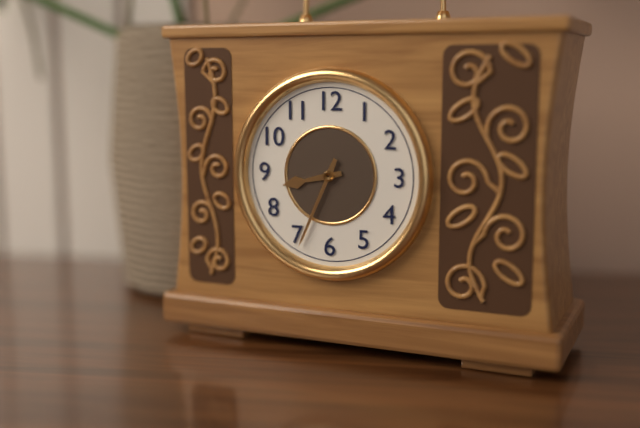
{"hour": 8, "minute": 34}
